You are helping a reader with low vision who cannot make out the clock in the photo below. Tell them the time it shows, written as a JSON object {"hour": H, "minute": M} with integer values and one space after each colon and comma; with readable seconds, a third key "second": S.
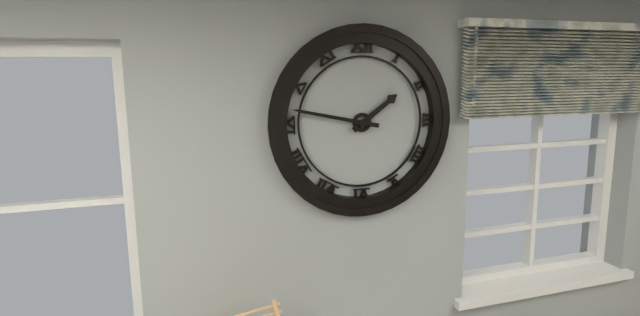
{"hour": 1, "minute": 47}
